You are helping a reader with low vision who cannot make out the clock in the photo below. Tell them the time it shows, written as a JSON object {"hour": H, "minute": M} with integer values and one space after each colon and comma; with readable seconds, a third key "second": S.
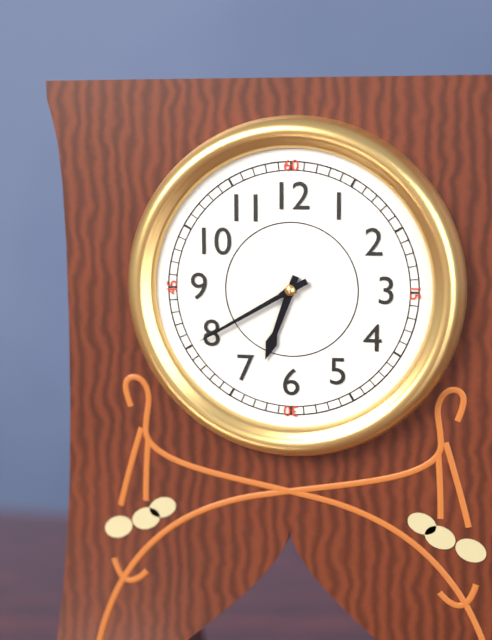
{"hour": 6, "minute": 40}
